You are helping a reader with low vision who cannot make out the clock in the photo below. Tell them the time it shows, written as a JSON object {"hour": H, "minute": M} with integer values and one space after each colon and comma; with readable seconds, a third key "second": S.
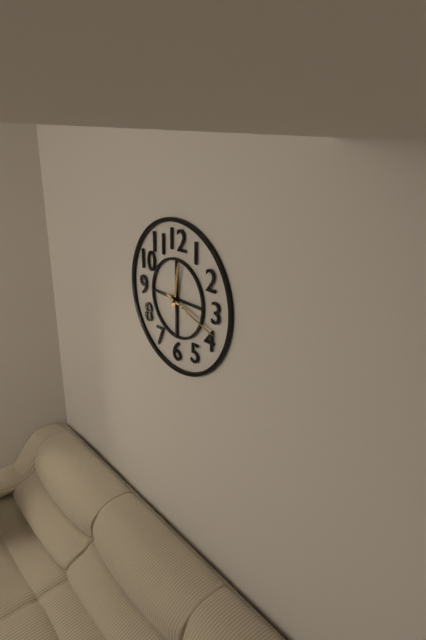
{"hour": 12, "minute": 18}
